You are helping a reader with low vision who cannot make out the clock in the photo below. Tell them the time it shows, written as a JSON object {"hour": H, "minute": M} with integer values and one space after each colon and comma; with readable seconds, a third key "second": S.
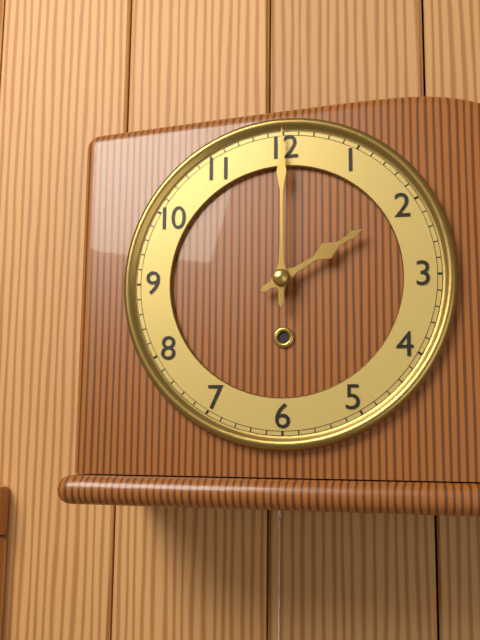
{"hour": 2, "minute": 0}
